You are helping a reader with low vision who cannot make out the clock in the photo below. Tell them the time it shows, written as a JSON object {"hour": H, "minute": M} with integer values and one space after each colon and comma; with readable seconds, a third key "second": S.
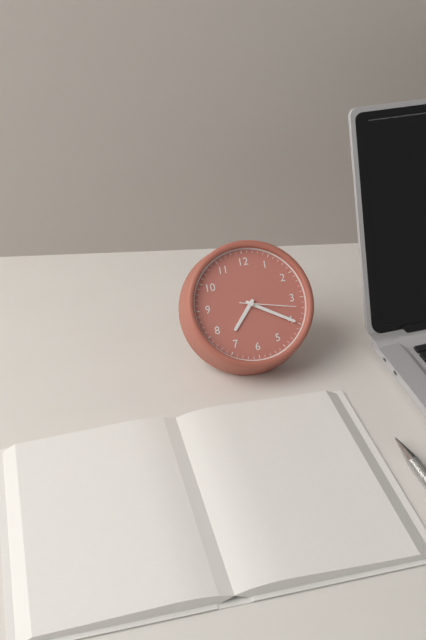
{"hour": 7, "minute": 20, "second": 17}
